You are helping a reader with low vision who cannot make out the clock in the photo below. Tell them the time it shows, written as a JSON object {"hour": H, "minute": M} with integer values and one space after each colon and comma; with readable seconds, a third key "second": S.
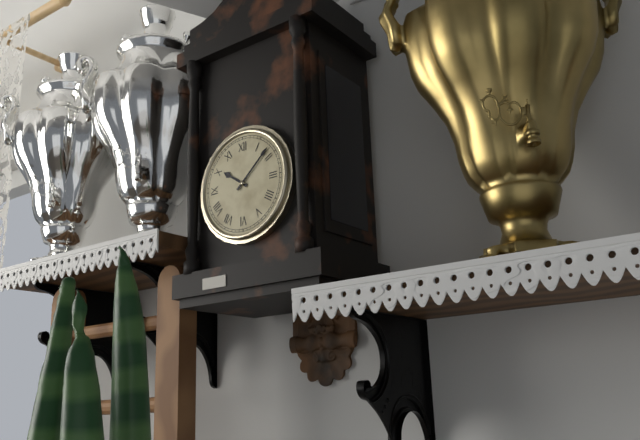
{"hour": 10, "minute": 8}
